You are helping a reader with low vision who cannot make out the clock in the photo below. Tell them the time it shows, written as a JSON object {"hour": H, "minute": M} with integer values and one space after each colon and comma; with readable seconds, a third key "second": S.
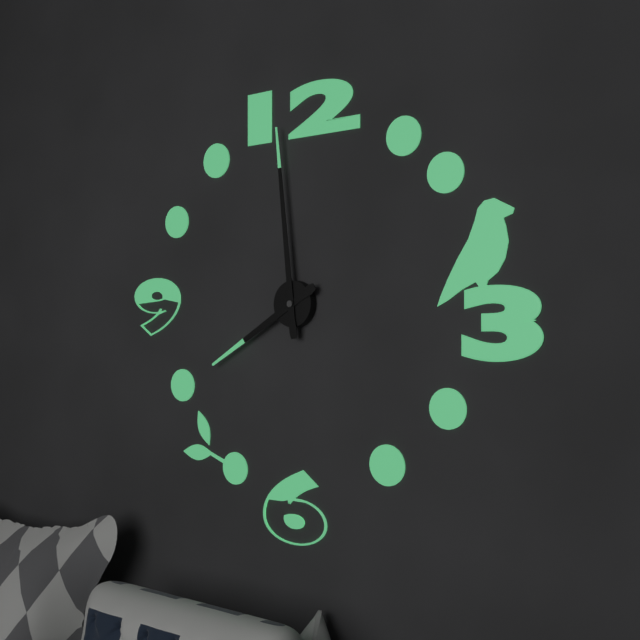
{"hour": 7, "minute": 59}
